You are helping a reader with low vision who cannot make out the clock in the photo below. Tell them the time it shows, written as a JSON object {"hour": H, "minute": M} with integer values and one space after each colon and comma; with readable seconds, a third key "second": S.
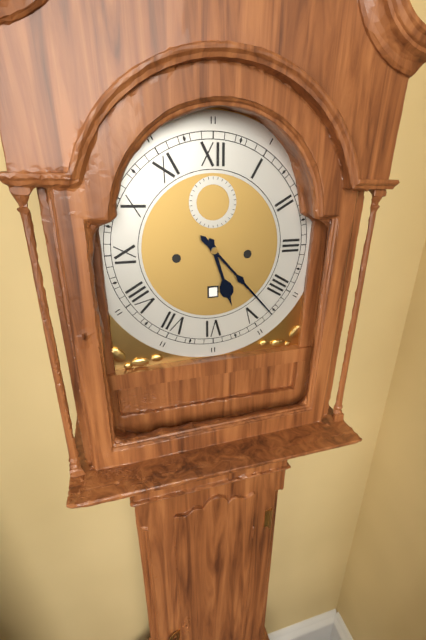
{"hour": 5, "minute": 23}
